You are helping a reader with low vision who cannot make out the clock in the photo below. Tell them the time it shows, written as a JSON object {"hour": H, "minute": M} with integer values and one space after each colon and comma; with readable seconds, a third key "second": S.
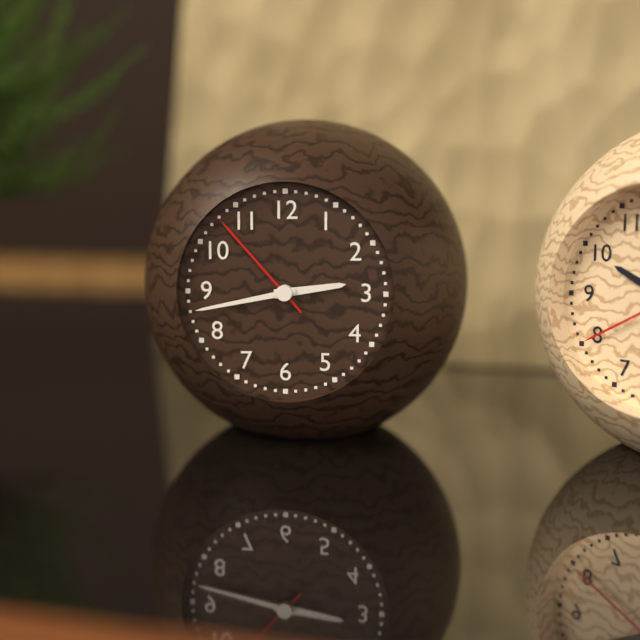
{"hour": 2, "minute": 43, "second": 53}
